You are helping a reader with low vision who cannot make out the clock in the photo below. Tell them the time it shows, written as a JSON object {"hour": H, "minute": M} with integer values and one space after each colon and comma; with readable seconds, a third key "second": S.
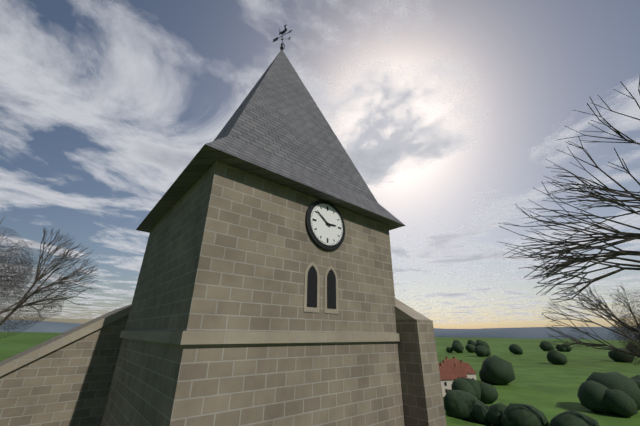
{"hour": 2, "minute": 51}
